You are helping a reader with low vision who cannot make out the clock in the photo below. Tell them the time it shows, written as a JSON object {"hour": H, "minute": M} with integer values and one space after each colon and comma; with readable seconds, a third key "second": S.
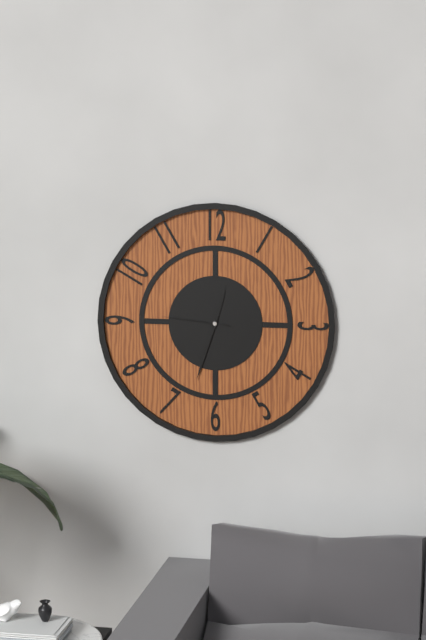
{"hour": 12, "minute": 33, "second": 46}
